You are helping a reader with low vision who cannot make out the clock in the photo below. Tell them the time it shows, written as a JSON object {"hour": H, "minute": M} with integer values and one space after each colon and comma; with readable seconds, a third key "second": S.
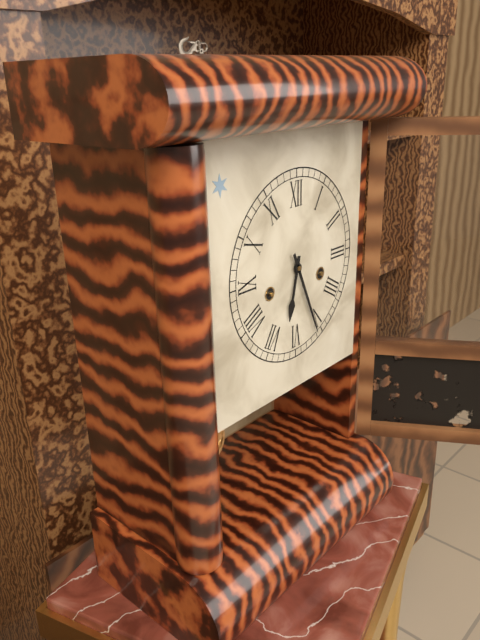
{"hour": 6, "minute": 26}
